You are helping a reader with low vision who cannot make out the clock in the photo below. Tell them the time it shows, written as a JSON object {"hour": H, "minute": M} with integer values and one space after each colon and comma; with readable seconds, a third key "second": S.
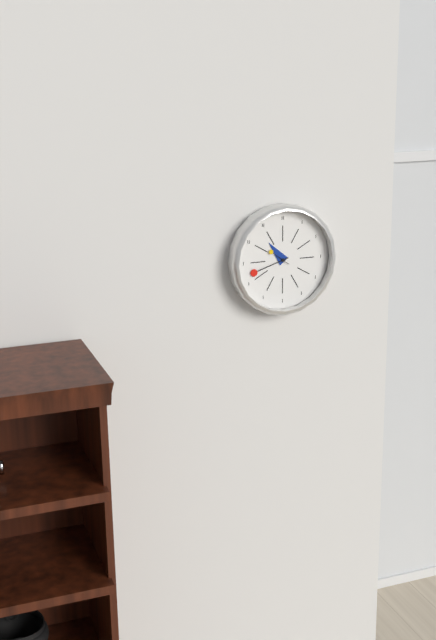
{"hour": 10, "minute": 42}
